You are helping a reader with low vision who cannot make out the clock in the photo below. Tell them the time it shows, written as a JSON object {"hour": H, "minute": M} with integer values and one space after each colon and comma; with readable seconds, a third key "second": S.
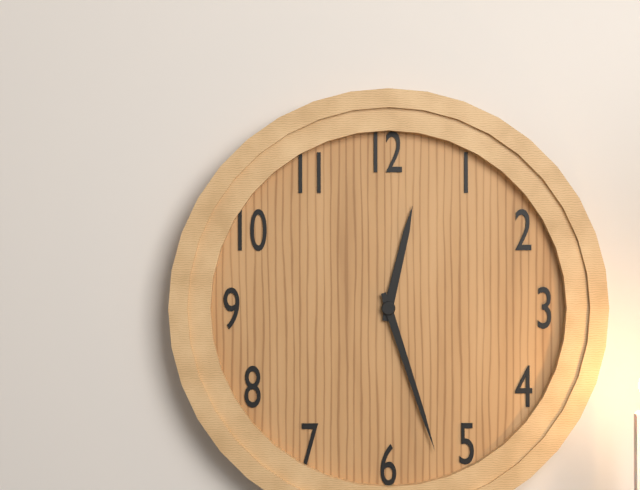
{"hour": 12, "minute": 27}
